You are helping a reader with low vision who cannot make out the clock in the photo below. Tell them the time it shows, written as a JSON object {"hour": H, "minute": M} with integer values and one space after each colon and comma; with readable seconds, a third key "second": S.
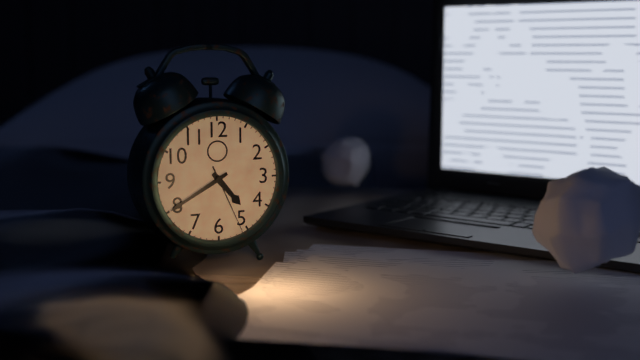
{"hour": 4, "minute": 40, "second": 26}
